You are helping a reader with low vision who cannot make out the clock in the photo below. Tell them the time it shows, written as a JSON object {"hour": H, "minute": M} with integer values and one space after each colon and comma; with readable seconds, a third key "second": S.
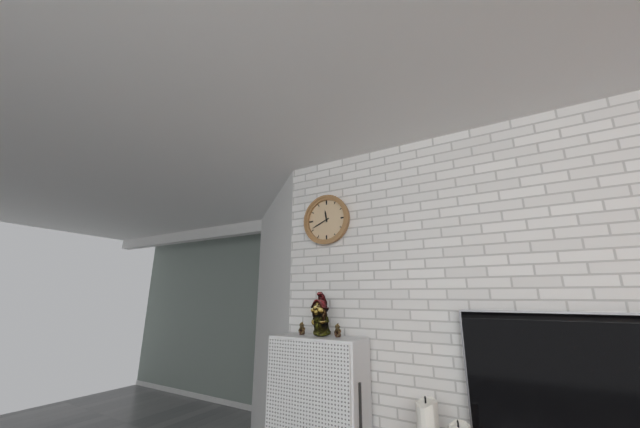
{"hour": 11, "minute": 41}
